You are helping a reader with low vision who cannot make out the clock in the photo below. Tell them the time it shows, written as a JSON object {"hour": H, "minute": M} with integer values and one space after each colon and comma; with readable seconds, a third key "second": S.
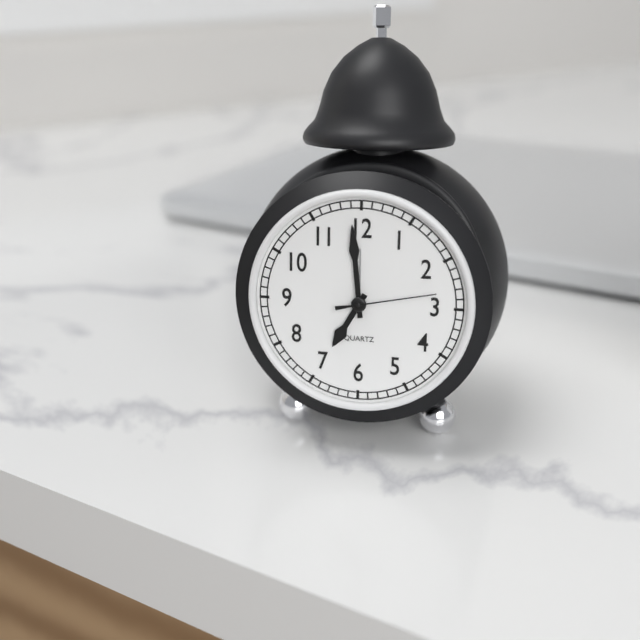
{"hour": 6, "minute": 59, "second": 13}
